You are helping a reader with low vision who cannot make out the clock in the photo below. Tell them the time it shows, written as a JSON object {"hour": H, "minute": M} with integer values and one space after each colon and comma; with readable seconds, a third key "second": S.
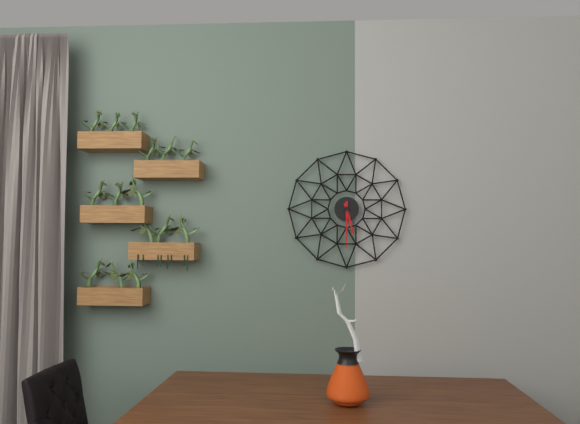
{"hour": 5, "minute": 30}
